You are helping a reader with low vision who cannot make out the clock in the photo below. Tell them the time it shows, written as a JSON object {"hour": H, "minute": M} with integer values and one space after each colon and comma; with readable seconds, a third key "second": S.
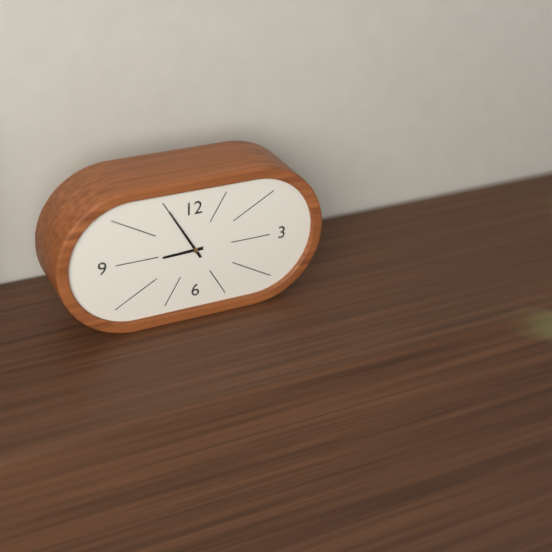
{"hour": 8, "minute": 55}
